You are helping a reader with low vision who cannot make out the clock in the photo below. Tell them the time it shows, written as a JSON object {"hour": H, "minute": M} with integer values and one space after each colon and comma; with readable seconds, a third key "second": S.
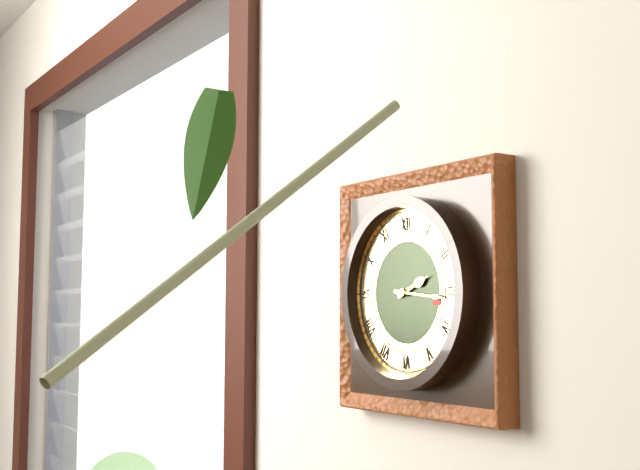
{"hour": 2, "minute": 16}
